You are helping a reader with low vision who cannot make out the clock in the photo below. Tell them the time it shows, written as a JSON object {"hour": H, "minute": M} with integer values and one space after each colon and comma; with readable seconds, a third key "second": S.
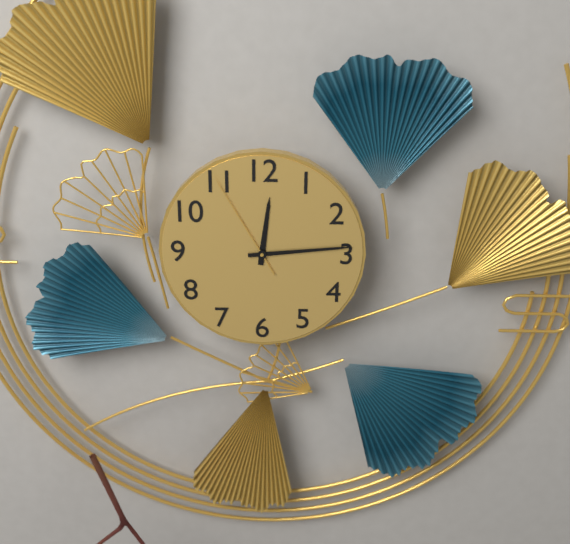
{"hour": 12, "minute": 14, "second": 55}
